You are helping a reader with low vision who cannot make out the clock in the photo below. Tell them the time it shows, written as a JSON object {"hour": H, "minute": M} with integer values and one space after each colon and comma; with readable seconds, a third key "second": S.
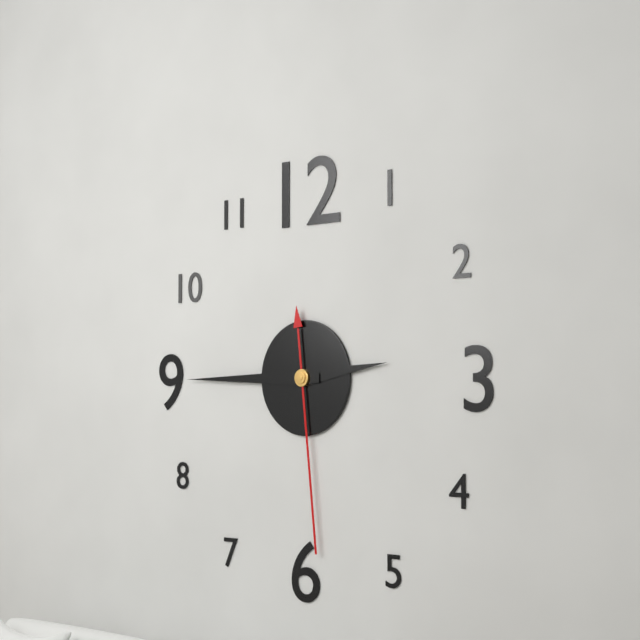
{"hour": 2, "minute": 45, "second": 29}
